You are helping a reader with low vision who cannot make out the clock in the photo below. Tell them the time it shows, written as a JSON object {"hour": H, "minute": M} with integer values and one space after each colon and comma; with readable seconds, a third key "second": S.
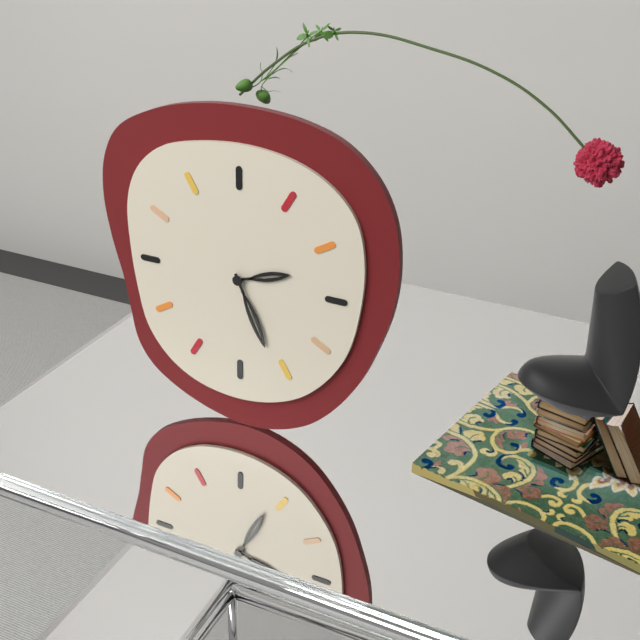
{"hour": 2, "minute": 26}
